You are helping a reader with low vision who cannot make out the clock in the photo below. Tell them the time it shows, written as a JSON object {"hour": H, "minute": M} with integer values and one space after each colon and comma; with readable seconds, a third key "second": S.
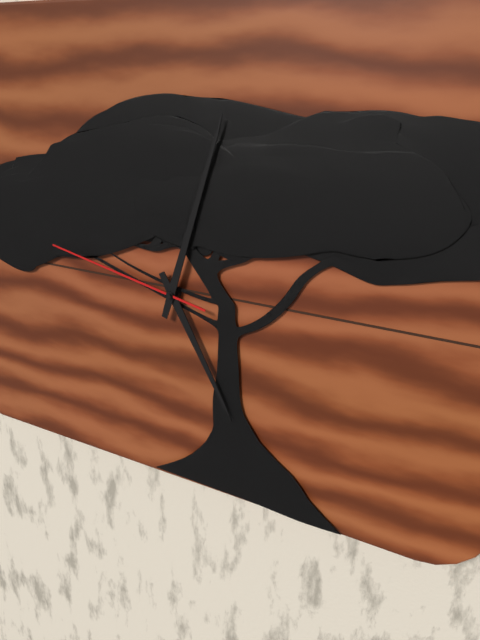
{"hour": 5, "minute": 3, "second": 47}
